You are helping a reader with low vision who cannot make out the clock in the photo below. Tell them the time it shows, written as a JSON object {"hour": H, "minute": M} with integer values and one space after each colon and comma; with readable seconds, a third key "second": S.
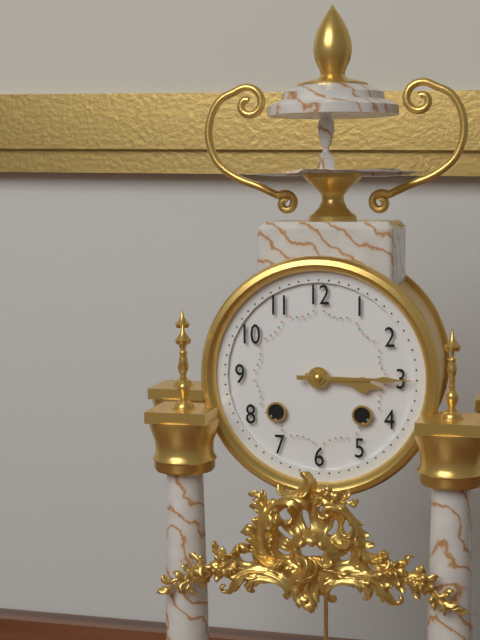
{"hour": 3, "minute": 15}
